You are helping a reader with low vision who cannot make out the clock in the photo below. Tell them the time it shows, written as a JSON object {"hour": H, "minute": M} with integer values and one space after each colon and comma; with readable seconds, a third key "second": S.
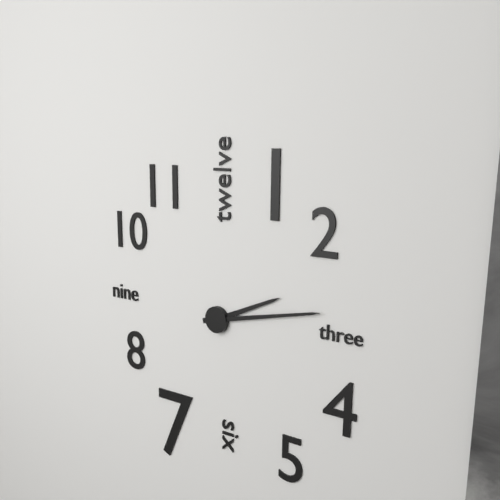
{"hour": 2, "minute": 13}
